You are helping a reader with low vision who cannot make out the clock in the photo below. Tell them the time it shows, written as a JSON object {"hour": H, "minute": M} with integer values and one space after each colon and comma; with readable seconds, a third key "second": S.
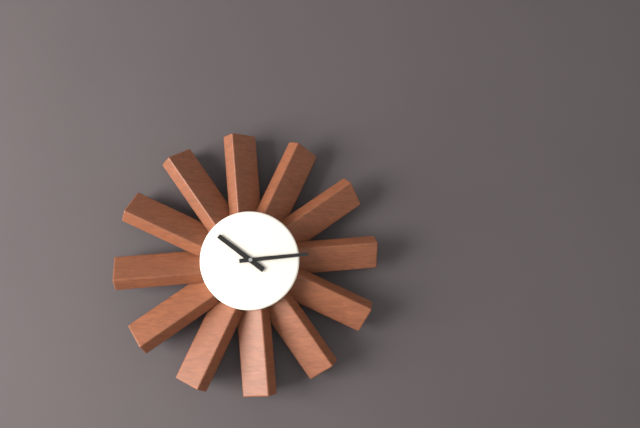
{"hour": 10, "minute": 14}
